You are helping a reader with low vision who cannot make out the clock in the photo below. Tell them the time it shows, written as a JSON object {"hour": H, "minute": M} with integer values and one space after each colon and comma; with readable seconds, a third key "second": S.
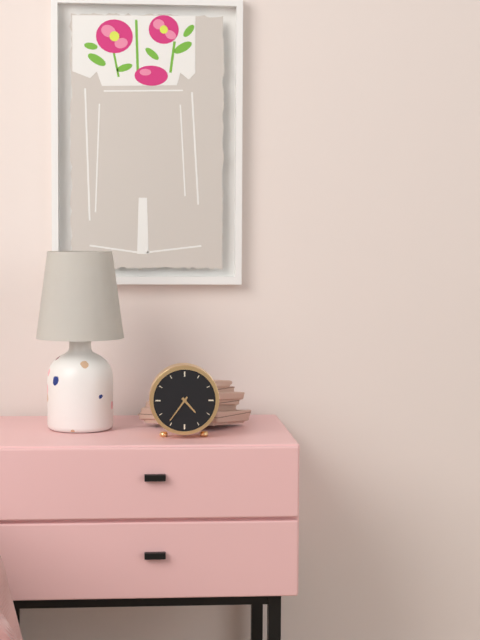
{"hour": 4, "minute": 36}
